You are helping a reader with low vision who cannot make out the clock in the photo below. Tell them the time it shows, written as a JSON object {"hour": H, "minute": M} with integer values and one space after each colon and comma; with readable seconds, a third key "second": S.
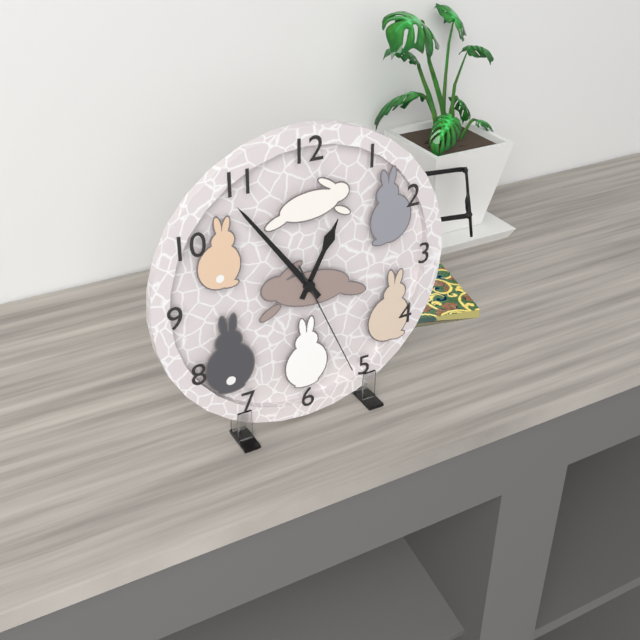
{"hour": 12, "minute": 54, "second": 26}
